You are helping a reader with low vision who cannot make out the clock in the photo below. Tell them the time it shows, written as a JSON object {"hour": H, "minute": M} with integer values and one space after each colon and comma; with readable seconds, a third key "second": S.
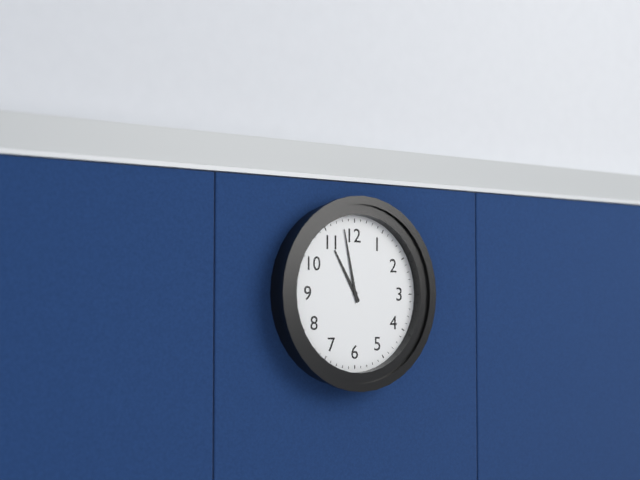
{"hour": 10, "minute": 58}
